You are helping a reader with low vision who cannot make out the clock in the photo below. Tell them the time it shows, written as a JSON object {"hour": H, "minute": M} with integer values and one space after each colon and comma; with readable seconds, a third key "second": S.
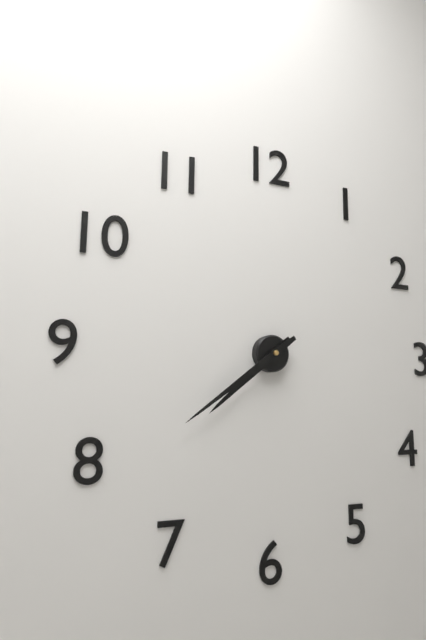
{"hour": 7, "minute": 39}
